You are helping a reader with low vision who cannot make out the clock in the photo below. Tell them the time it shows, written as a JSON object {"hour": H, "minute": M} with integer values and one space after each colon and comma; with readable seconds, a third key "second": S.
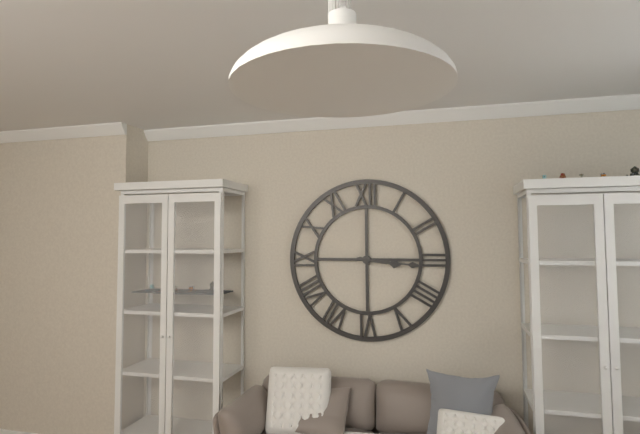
{"hour": 3, "minute": 16}
